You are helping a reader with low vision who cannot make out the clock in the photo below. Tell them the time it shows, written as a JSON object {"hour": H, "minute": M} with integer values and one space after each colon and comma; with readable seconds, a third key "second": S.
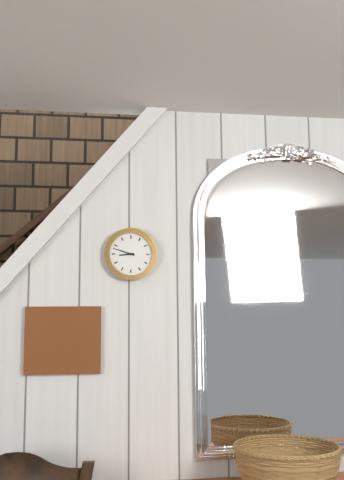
{"hour": 8, "minute": 48}
